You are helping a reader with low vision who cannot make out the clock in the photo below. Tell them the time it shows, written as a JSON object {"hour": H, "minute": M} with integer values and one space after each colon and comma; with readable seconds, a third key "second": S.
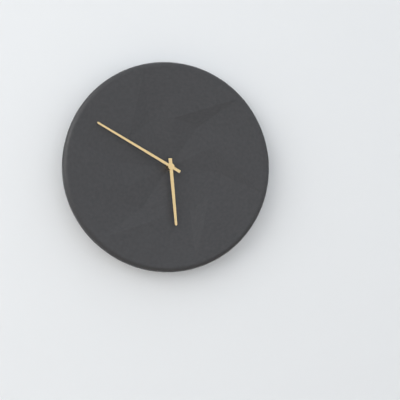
{"hour": 5, "minute": 50}
